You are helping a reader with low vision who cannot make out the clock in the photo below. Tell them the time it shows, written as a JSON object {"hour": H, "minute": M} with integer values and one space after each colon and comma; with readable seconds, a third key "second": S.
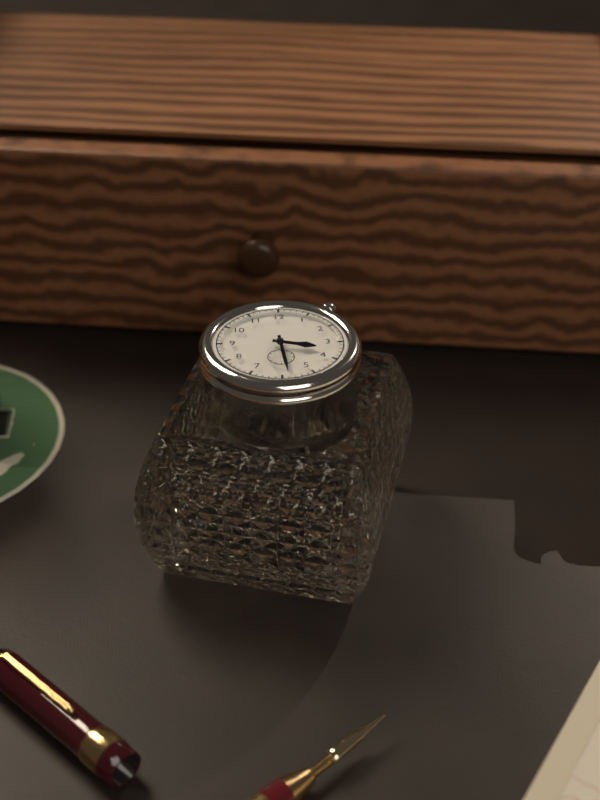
{"hour": 3, "minute": 29}
